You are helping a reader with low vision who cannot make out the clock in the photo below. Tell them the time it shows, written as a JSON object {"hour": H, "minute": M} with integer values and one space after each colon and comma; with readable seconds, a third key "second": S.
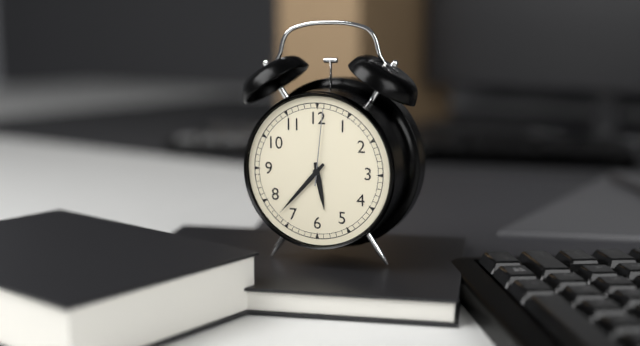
{"hour": 5, "minute": 37, "second": 1}
